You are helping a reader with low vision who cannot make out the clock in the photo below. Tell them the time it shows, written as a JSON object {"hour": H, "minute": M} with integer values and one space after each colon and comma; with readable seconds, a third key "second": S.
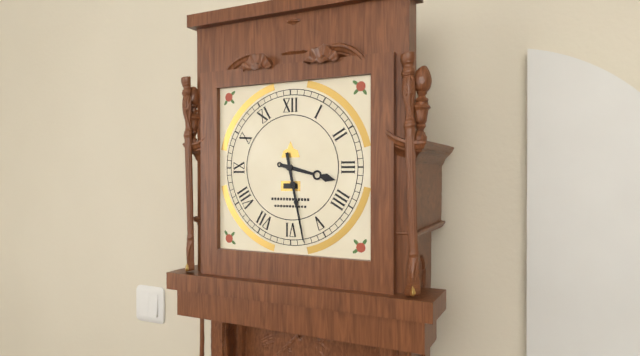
{"hour": 3, "minute": 28}
